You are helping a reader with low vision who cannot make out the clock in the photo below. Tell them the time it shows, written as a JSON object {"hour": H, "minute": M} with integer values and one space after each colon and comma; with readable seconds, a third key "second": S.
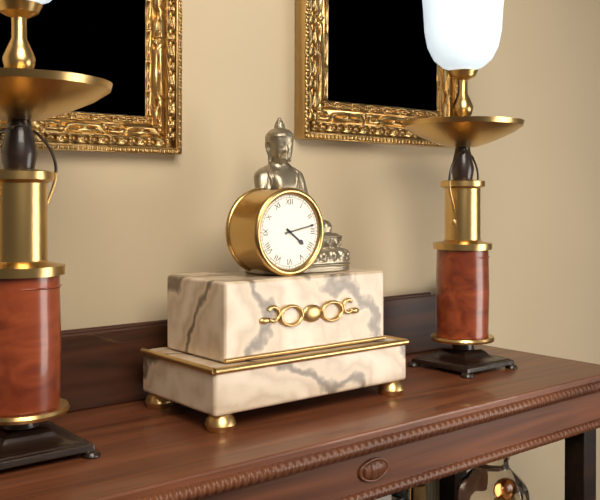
{"hour": 4, "minute": 13}
